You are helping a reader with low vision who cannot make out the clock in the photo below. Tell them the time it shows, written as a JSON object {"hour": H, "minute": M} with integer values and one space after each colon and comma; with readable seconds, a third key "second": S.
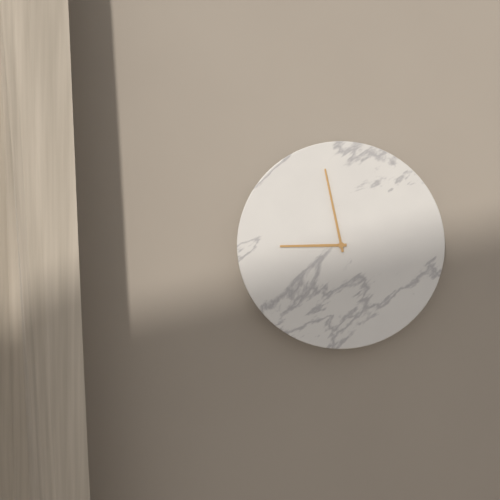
{"hour": 8, "minute": 58}
